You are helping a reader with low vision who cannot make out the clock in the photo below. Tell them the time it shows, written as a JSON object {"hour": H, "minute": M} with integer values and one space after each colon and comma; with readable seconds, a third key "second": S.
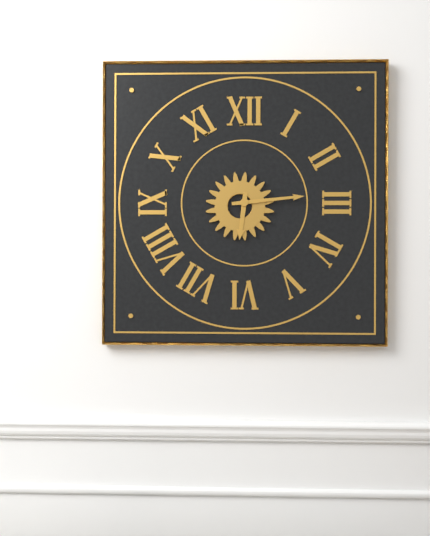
{"hour": 6, "minute": 14}
